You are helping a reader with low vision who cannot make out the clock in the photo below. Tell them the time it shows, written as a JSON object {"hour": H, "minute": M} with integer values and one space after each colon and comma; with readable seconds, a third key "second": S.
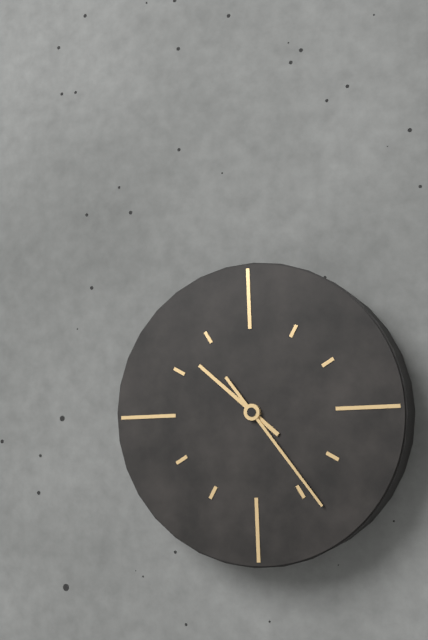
{"hour": 10, "minute": 24}
